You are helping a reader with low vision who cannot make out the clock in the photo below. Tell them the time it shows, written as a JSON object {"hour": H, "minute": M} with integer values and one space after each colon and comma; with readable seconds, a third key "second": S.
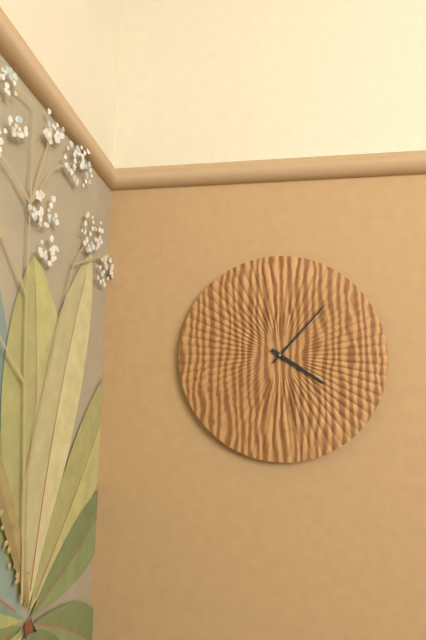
{"hour": 4, "minute": 7}
